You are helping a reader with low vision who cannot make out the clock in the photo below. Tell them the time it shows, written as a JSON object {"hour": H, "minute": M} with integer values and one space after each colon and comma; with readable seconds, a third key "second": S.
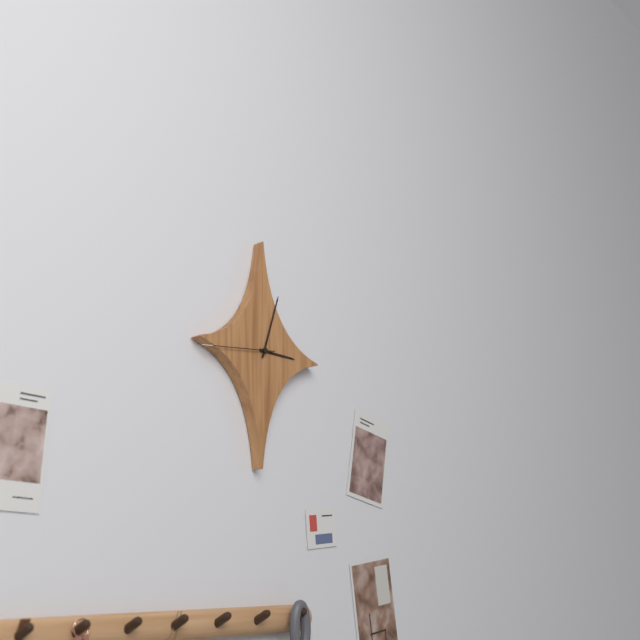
{"hour": 3, "minute": 3, "second": 44}
